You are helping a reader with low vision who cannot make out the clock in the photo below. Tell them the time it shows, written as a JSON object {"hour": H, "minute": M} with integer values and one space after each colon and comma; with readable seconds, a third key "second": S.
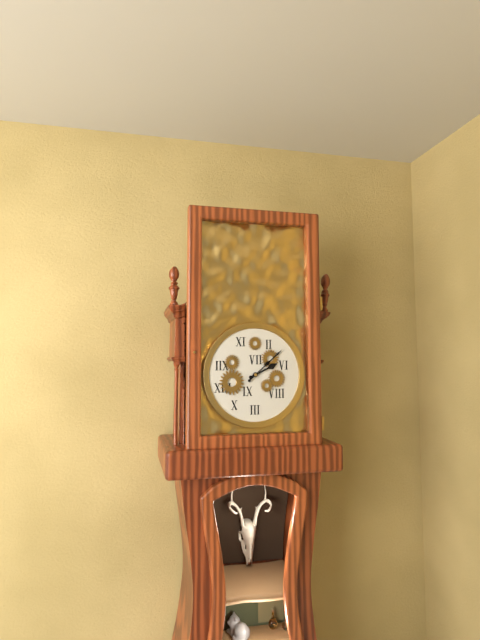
{"hour": 2, "minute": 8}
